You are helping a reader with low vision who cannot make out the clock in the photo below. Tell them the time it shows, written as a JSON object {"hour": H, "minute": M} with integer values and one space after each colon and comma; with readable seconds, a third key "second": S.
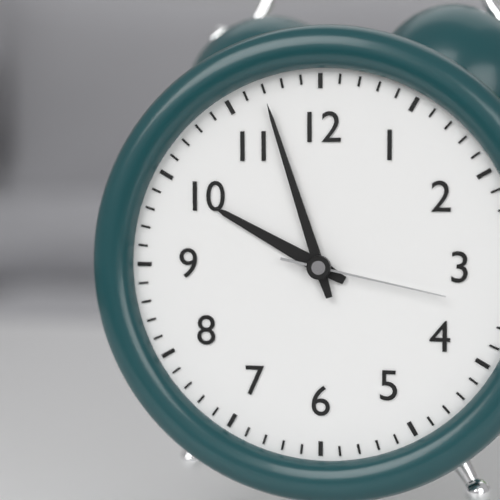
{"hour": 9, "minute": 57, "second": 17}
